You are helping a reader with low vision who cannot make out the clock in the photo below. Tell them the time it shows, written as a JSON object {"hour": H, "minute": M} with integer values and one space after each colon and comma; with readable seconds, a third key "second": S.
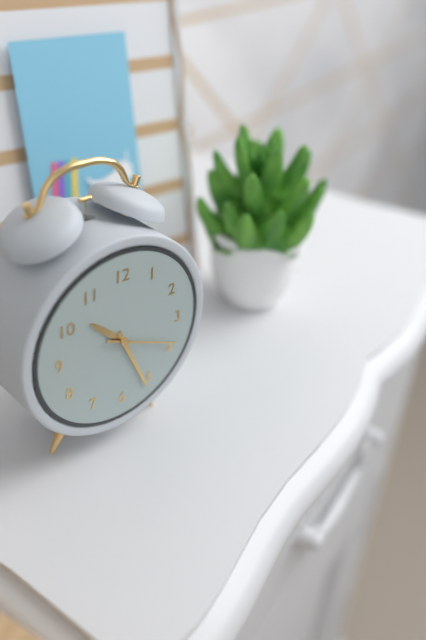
{"hour": 10, "minute": 26, "second": 19}
